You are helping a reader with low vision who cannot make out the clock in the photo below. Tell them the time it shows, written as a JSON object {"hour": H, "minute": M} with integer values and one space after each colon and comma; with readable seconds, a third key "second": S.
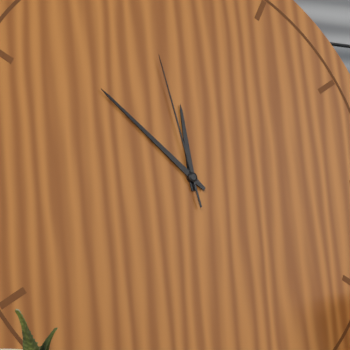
{"hour": 11, "minute": 52, "second": 58}
